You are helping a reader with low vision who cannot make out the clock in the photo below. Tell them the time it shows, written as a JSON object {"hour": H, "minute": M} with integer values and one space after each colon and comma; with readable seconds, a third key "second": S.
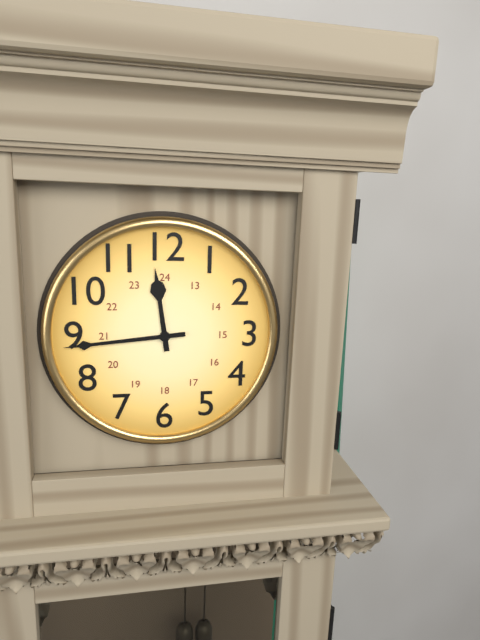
{"hour": 11, "minute": 44}
